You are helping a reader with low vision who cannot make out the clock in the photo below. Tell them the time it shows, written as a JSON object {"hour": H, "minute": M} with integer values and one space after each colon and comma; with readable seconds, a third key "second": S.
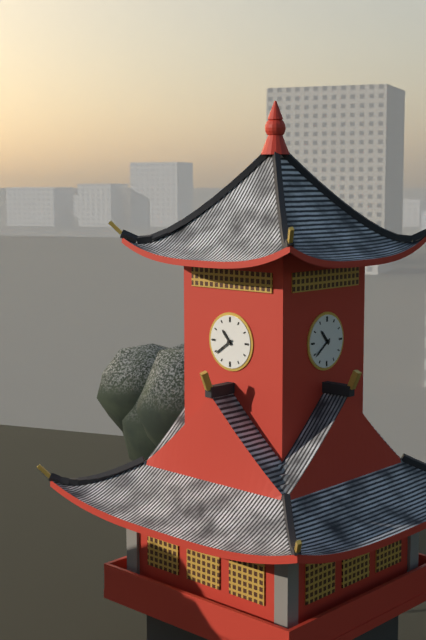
{"hour": 10, "minute": 39}
